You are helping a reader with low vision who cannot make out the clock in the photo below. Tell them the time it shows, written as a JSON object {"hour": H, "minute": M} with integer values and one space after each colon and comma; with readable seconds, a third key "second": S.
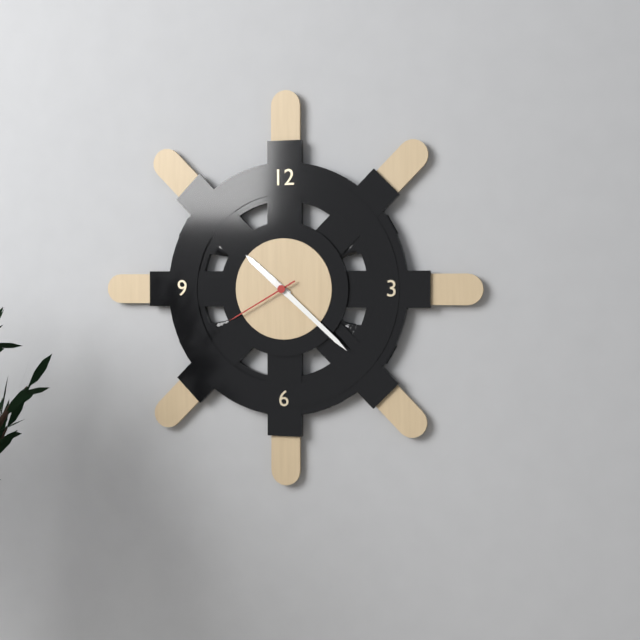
{"hour": 10, "minute": 22, "second": 40}
